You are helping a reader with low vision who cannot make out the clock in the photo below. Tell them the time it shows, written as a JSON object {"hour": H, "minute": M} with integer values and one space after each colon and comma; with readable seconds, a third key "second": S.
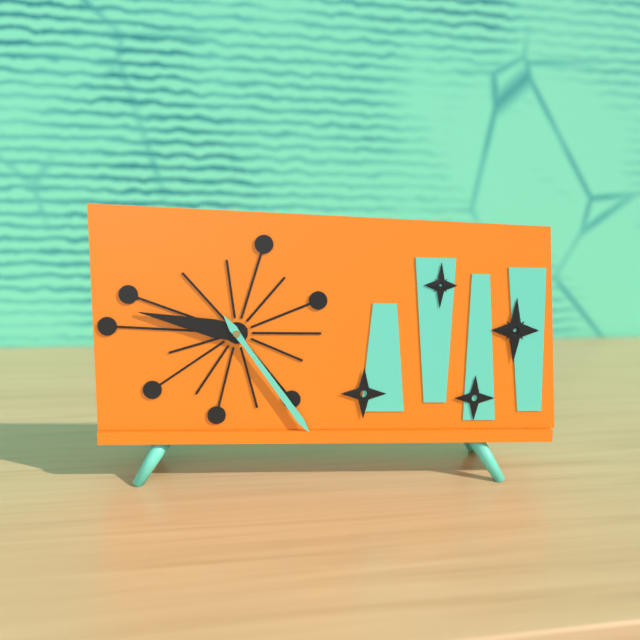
{"hour": 9, "minute": 24}
